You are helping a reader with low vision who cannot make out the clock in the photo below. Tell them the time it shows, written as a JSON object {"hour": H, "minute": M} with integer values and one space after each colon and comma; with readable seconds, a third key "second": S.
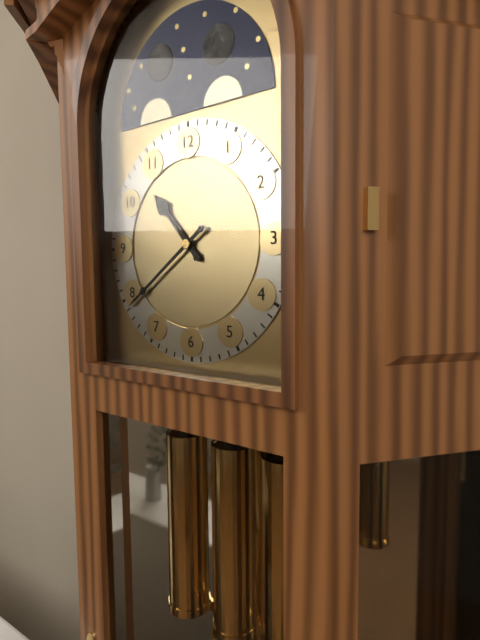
{"hour": 10, "minute": 39}
